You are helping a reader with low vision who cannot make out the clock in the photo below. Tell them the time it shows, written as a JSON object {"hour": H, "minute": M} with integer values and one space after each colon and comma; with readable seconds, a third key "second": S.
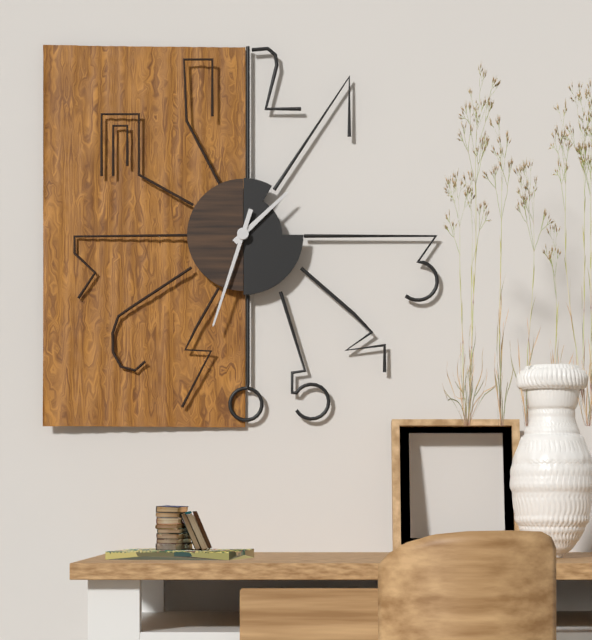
{"hour": 1, "minute": 33}
